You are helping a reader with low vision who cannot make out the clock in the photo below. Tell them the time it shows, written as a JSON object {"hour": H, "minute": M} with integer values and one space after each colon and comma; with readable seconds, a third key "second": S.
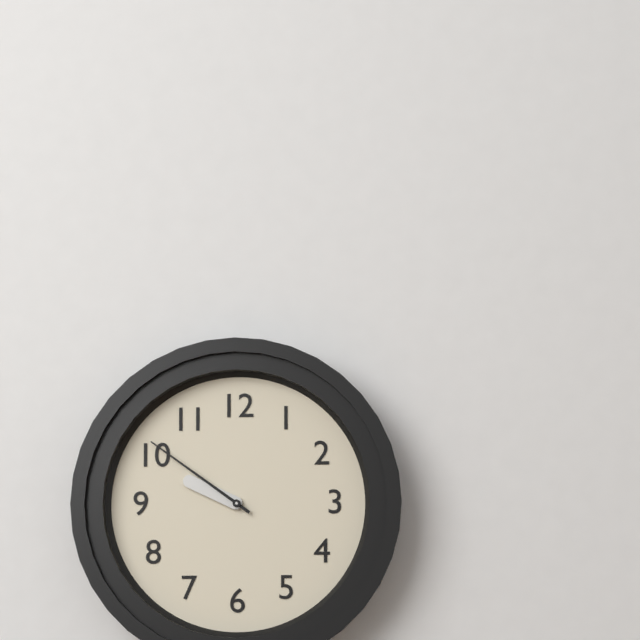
{"hour": 9, "minute": 51}
